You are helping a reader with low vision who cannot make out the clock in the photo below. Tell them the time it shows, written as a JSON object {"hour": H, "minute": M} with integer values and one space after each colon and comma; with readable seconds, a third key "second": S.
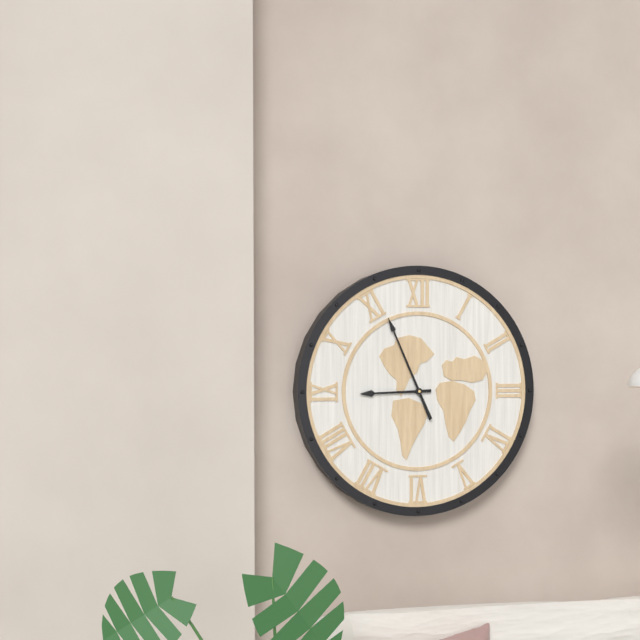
{"hour": 8, "minute": 56}
